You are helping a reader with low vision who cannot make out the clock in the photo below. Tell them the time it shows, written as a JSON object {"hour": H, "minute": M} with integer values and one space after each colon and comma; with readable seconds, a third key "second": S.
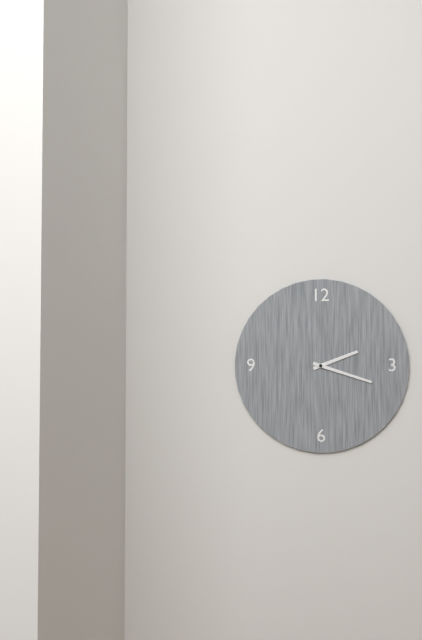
{"hour": 2, "minute": 18}
